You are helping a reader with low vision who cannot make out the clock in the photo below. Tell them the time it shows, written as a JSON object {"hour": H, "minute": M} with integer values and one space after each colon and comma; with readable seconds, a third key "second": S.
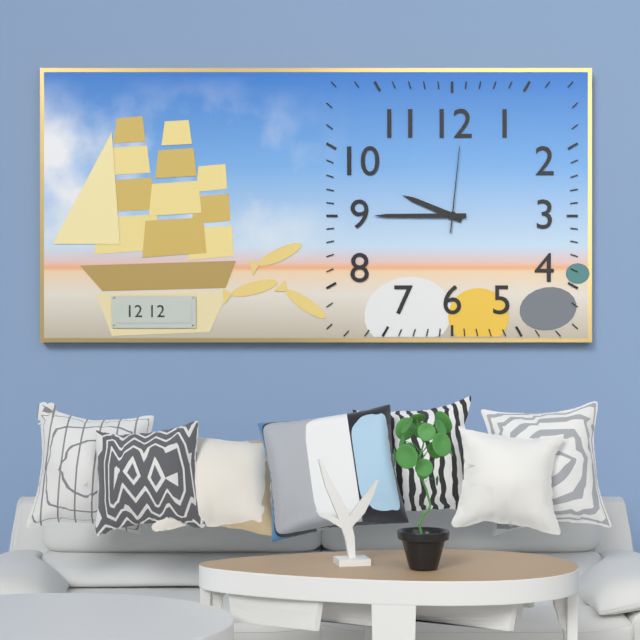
{"hour": 9, "minute": 45, "second": 1}
